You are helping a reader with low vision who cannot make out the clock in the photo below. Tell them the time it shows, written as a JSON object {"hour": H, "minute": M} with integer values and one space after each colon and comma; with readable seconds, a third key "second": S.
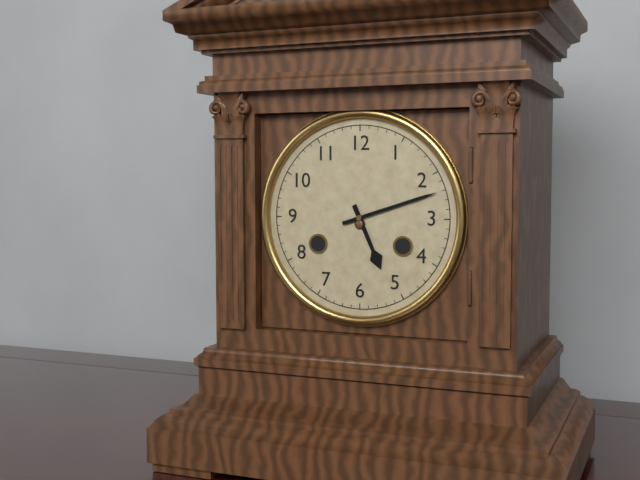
{"hour": 5, "minute": 12}
